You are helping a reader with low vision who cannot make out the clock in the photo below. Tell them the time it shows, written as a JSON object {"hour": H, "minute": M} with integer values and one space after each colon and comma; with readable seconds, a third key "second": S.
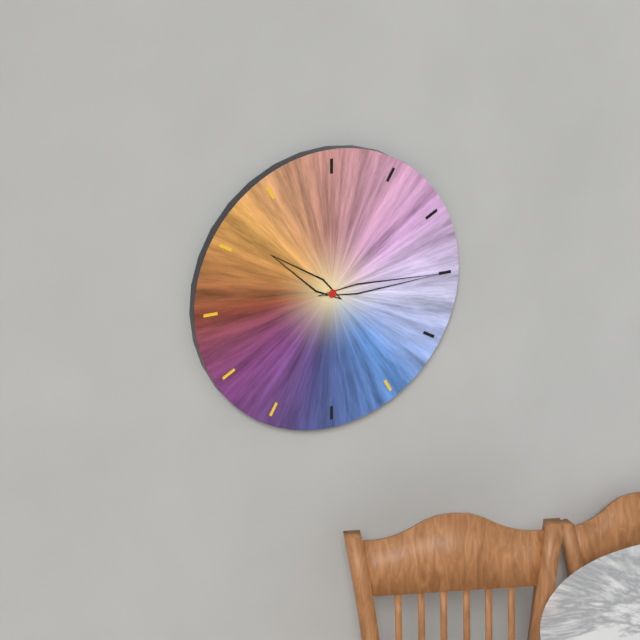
{"hour": 10, "minute": 15}
